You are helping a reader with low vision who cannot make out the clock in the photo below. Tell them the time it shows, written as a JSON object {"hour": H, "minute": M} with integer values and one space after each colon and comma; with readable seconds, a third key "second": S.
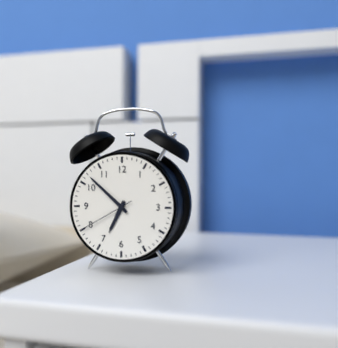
{"hour": 6, "minute": 52, "second": 40}
